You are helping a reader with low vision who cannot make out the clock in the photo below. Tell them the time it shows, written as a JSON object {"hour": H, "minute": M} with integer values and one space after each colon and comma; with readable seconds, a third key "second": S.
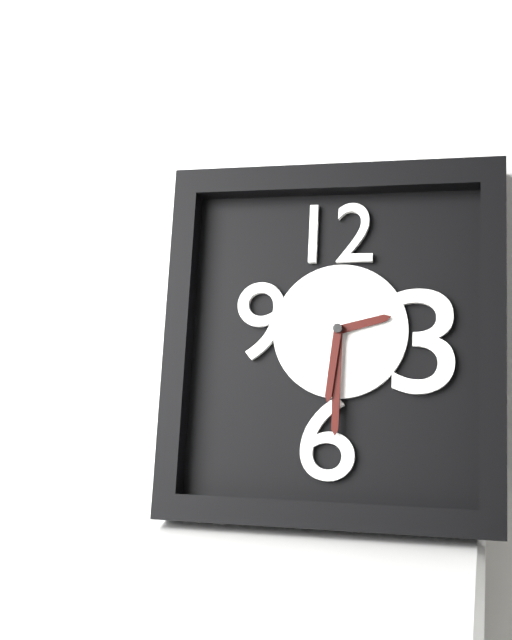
{"hour": 2, "minute": 30, "second": 31}
